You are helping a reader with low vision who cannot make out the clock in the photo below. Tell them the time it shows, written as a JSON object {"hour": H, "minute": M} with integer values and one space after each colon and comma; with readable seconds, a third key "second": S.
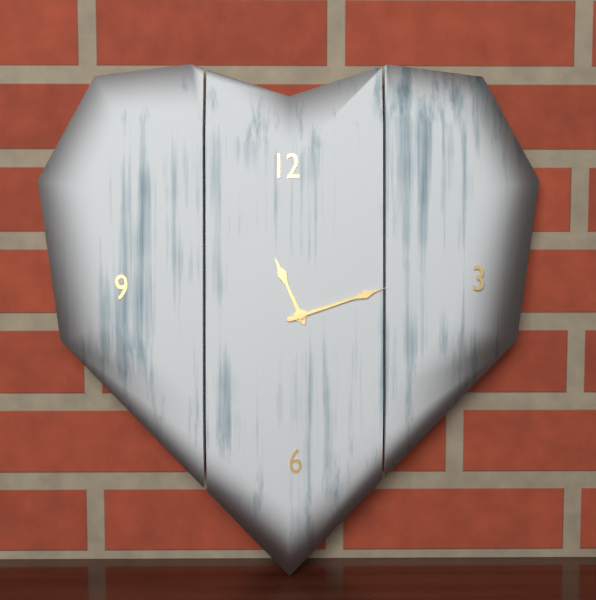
{"hour": 11, "minute": 12}
